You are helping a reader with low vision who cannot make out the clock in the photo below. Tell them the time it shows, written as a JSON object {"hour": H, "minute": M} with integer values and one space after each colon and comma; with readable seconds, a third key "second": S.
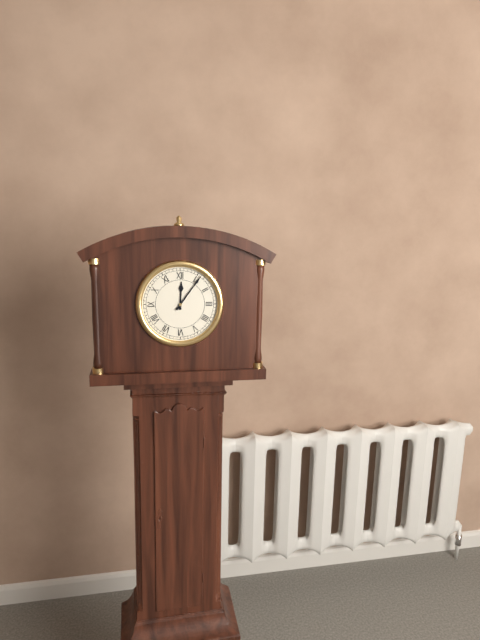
{"hour": 12, "minute": 6}
